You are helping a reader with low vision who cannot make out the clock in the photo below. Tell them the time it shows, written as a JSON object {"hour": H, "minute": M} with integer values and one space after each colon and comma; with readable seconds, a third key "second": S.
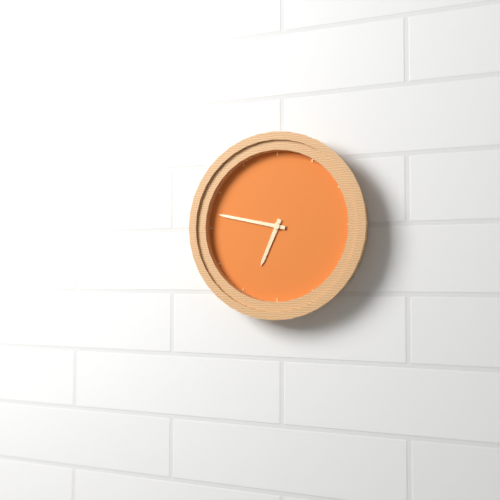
{"hour": 6, "minute": 47}
